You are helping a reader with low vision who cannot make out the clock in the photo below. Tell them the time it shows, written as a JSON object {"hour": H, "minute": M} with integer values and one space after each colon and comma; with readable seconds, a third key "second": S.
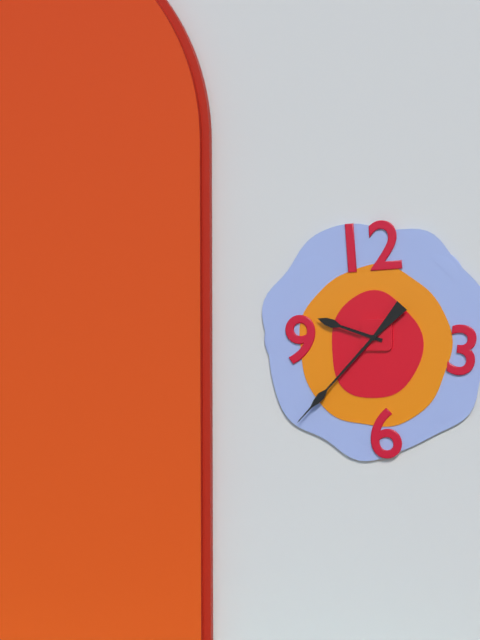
{"hour": 9, "minute": 37}
